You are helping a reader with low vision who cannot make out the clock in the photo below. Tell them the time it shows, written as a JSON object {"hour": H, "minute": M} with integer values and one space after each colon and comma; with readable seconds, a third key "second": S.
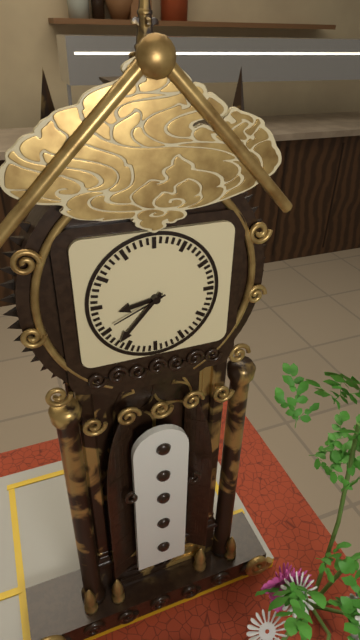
{"hour": 8, "minute": 37, "second": 41}
